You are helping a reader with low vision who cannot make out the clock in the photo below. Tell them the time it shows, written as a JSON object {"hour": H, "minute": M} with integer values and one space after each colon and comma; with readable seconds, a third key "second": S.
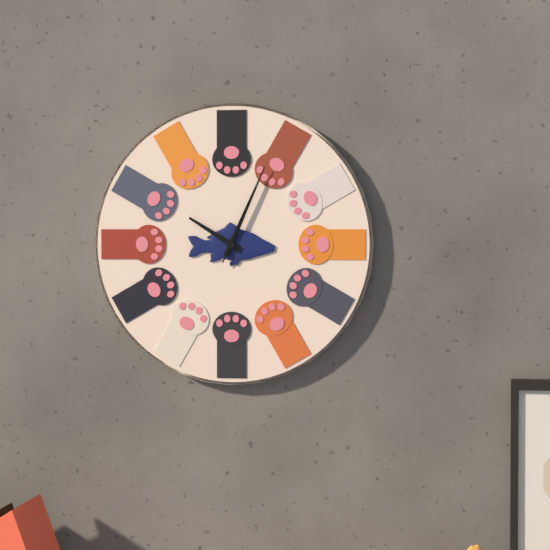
{"hour": 10, "minute": 4, "second": 4}
